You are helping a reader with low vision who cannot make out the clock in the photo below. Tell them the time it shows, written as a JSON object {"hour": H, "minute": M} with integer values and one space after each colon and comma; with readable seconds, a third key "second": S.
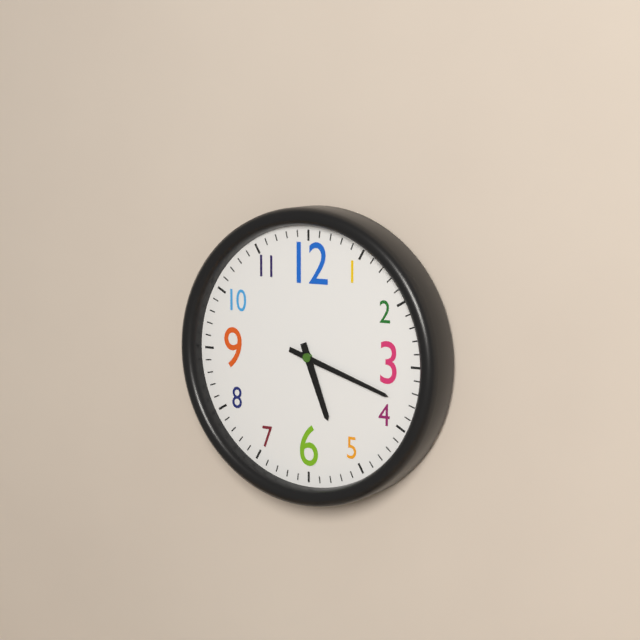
{"hour": 5, "minute": 18}
